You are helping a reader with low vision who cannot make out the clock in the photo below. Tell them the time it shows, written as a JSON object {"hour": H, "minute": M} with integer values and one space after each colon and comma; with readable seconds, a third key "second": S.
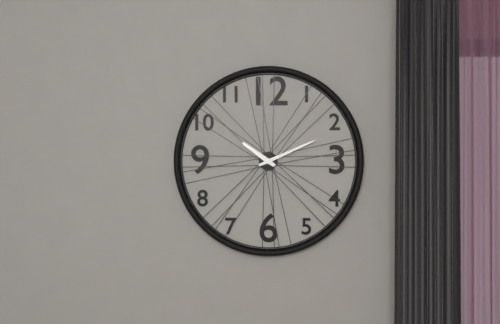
{"hour": 10, "minute": 11}
